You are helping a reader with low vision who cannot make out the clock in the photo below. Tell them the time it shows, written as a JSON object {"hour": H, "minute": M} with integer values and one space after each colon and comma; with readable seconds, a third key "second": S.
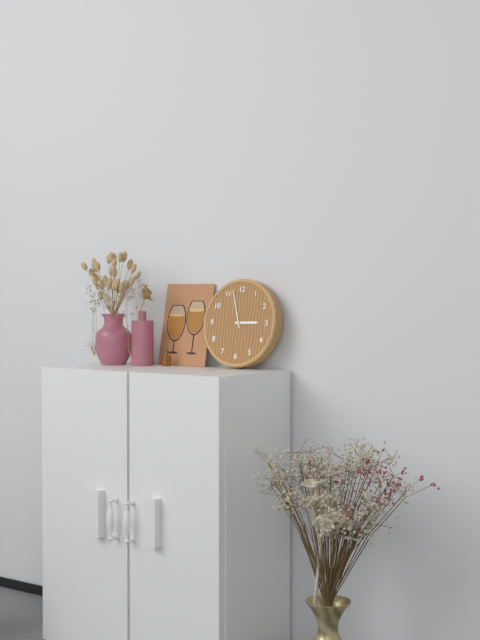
{"hour": 2, "minute": 57}
